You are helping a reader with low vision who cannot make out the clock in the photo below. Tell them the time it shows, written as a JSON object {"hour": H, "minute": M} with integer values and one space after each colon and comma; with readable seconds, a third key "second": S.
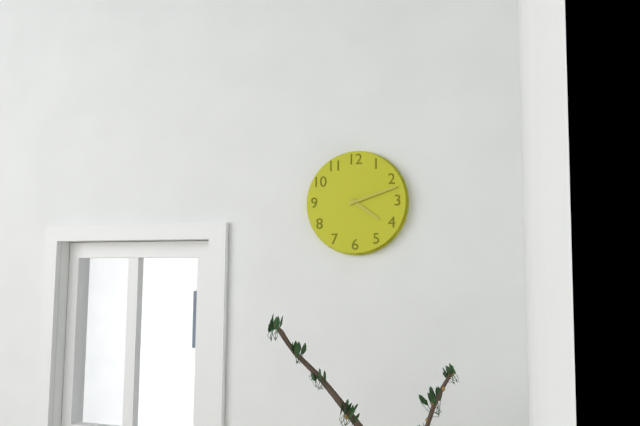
{"hour": 4, "minute": 12}
